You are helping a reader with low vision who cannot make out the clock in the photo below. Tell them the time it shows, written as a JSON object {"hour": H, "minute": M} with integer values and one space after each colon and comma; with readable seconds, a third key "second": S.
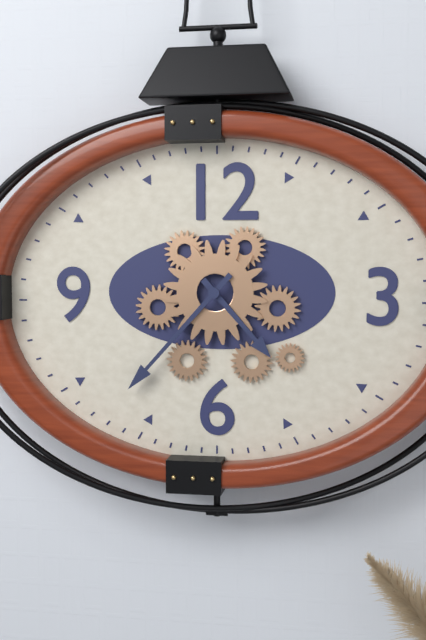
{"hour": 4, "minute": 37}
